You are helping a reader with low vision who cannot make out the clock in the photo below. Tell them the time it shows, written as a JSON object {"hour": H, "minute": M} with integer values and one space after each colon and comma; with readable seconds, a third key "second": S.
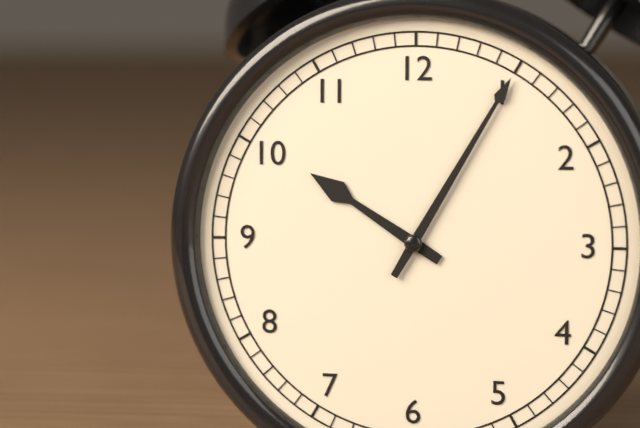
{"hour": 10, "minute": 5}
